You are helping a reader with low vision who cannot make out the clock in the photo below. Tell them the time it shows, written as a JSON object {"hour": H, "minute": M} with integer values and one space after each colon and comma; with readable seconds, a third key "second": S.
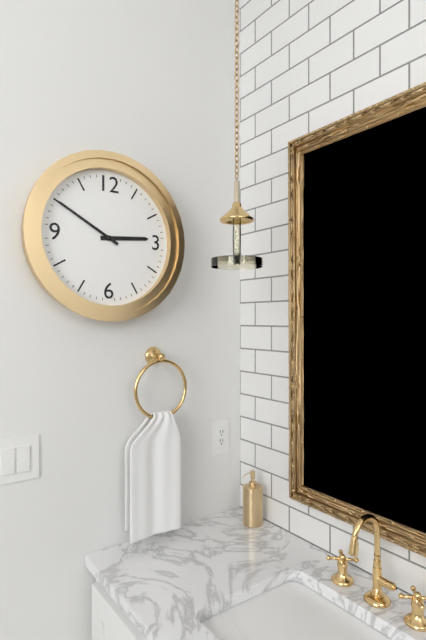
{"hour": 2, "minute": 50}
